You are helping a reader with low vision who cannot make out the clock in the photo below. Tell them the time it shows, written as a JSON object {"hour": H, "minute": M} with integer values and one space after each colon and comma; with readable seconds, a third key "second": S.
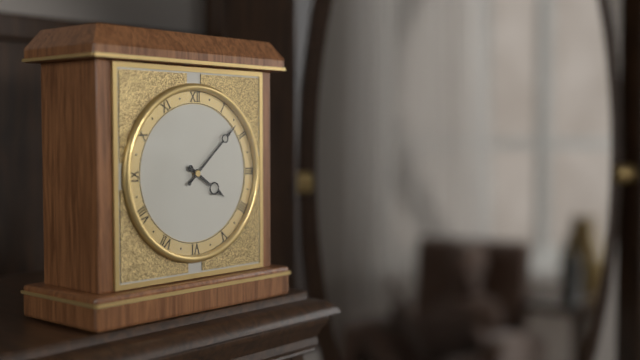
{"hour": 4, "minute": 8}
